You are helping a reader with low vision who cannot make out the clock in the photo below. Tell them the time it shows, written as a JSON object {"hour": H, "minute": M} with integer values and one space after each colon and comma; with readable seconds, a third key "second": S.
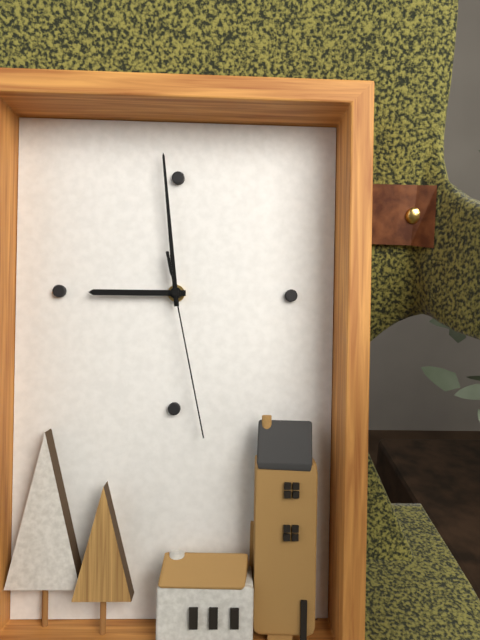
{"hour": 8, "minute": 59, "second": 28}
